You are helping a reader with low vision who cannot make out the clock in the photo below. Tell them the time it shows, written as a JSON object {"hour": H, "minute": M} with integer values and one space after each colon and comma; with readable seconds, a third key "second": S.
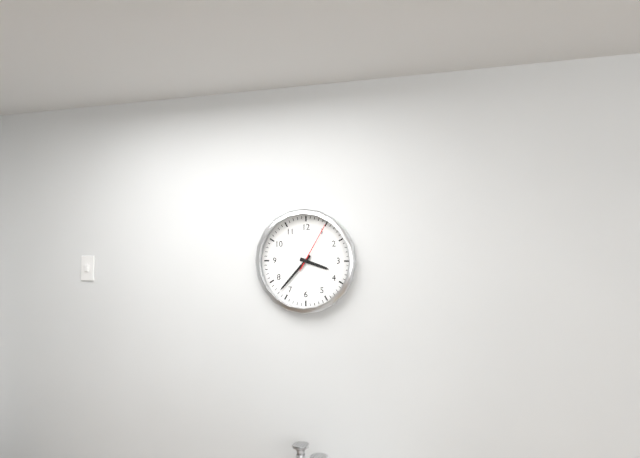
{"hour": 3, "minute": 37, "second": 5}
